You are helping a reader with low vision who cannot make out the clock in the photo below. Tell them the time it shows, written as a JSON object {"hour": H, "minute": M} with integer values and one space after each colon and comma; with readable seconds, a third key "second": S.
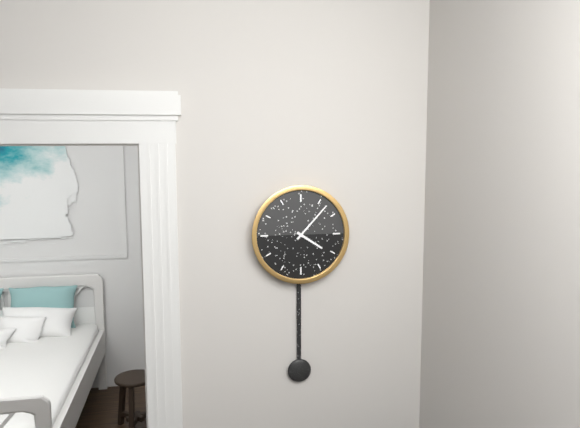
{"hour": 4, "minute": 7}
